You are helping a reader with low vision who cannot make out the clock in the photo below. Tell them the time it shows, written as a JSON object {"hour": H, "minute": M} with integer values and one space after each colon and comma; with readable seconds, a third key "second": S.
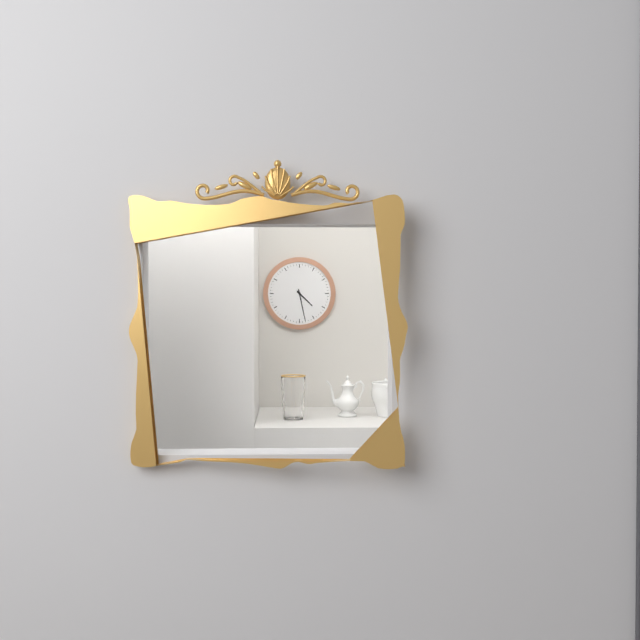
{"hour": 4, "minute": 28}
